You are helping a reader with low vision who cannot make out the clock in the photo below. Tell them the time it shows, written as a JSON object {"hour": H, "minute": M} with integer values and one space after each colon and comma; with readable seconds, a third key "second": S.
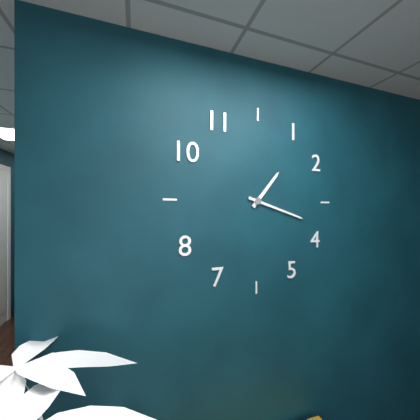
{"hour": 1, "minute": 18}
